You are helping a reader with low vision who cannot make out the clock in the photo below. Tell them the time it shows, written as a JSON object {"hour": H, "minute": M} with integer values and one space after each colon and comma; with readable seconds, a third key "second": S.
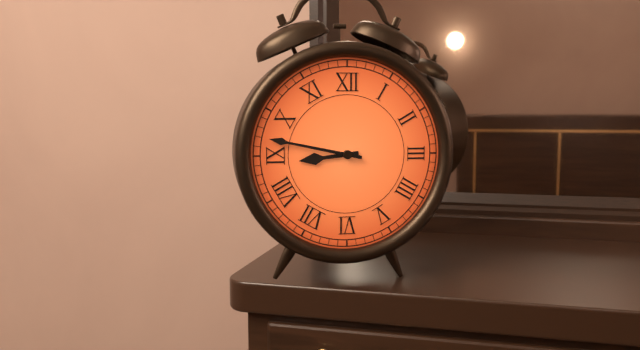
{"hour": 8, "minute": 47}
